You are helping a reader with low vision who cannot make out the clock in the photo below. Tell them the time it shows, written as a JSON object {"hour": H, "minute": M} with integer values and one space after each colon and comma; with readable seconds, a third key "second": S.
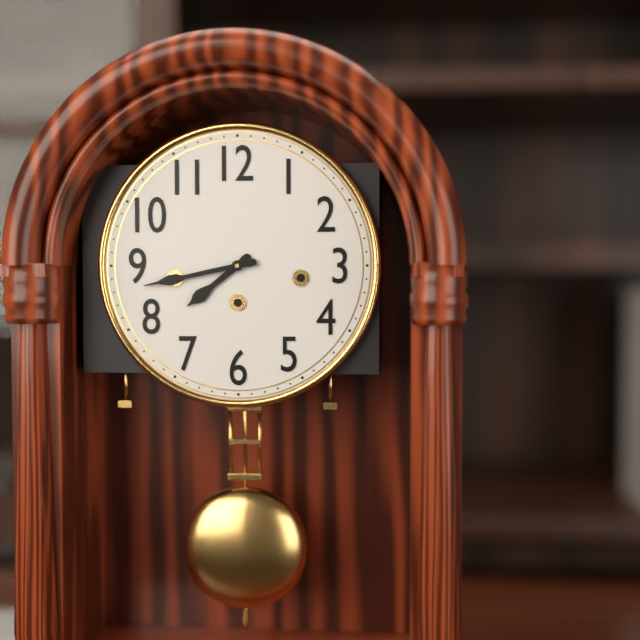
{"hour": 7, "minute": 43}
